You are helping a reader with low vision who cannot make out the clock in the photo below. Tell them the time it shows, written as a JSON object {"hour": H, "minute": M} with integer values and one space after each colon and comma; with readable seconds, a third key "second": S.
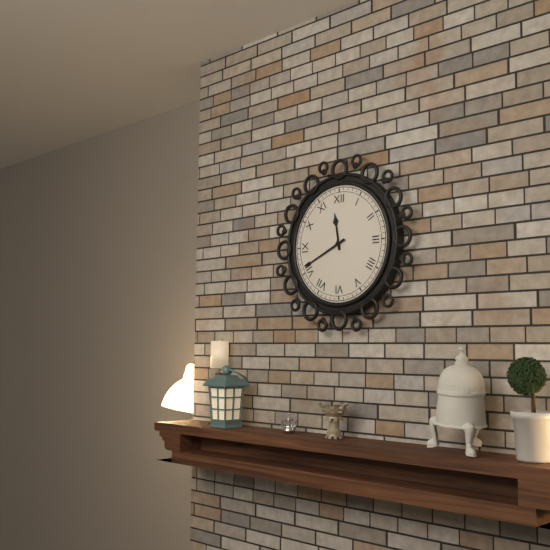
{"hour": 11, "minute": 41}
